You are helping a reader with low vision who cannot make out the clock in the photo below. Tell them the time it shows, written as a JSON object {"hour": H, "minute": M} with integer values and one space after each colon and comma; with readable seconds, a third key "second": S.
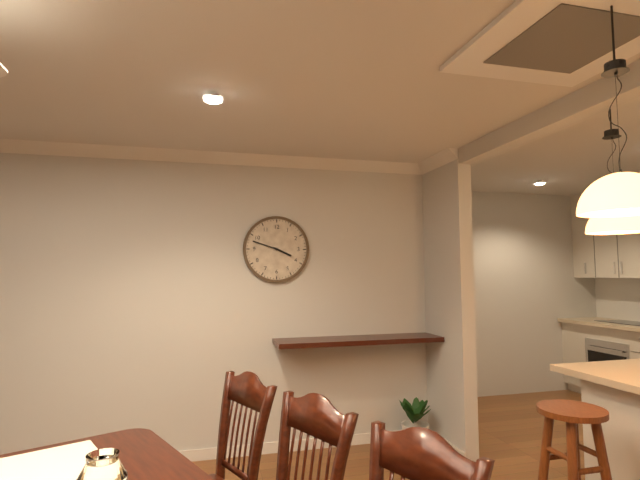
{"hour": 3, "minute": 48}
